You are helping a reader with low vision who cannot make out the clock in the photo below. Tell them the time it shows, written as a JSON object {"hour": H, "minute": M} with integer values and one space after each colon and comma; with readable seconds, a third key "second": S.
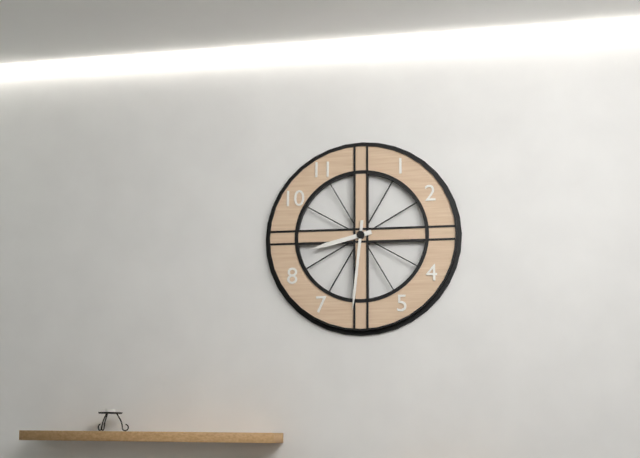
{"hour": 8, "minute": 31}
